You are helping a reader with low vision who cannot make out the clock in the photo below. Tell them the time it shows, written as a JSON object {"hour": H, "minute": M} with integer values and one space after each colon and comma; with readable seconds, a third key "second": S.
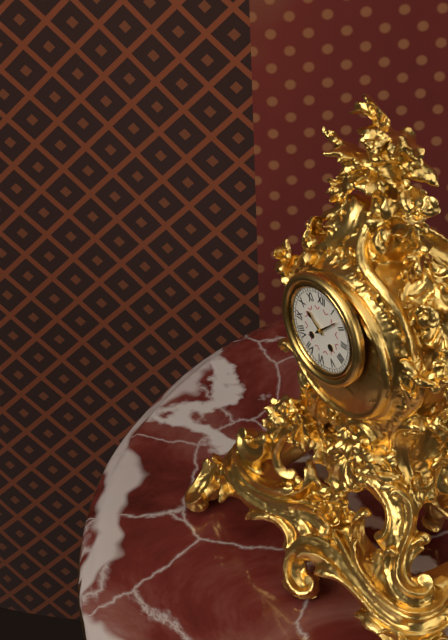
{"hour": 10, "minute": 8}
